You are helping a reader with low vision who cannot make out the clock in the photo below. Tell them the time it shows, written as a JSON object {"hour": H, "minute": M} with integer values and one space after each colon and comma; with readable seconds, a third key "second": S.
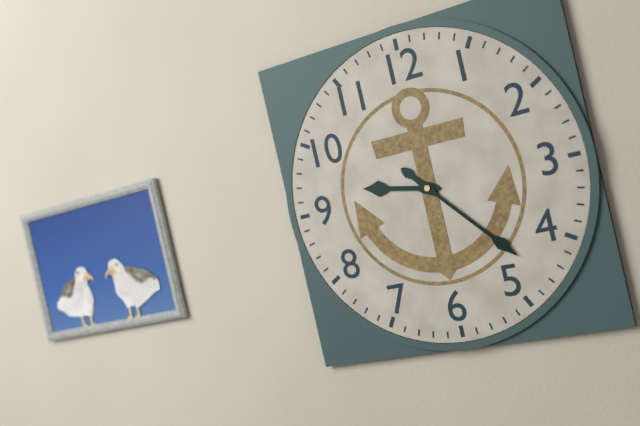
{"hour": 9, "minute": 23}
